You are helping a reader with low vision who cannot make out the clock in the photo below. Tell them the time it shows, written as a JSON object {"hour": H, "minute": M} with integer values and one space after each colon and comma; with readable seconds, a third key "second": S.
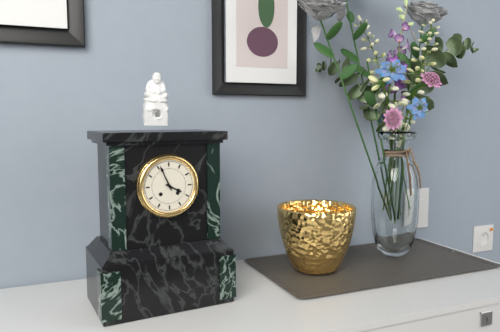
{"hour": 3, "minute": 56}
